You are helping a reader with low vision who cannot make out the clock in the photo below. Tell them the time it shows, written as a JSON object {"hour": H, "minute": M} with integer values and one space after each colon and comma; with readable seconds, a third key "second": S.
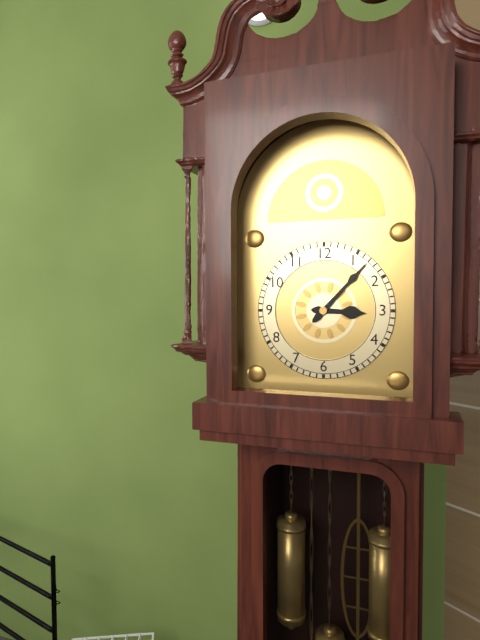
{"hour": 3, "minute": 7}
